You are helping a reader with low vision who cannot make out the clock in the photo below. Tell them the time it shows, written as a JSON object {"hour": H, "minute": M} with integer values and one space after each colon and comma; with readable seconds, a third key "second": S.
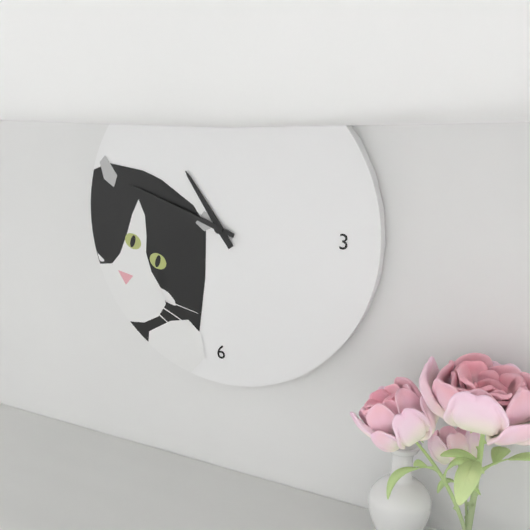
{"hour": 10, "minute": 48}
